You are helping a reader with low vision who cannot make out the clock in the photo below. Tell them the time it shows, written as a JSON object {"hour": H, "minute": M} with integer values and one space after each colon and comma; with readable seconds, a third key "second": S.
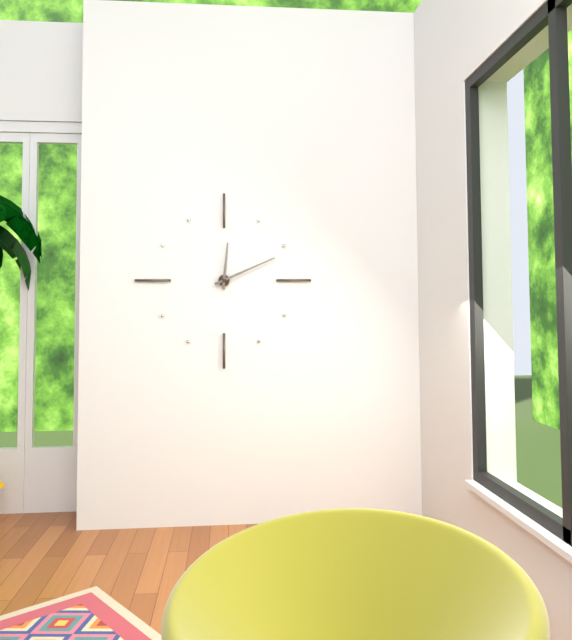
{"hour": 12, "minute": 11}
